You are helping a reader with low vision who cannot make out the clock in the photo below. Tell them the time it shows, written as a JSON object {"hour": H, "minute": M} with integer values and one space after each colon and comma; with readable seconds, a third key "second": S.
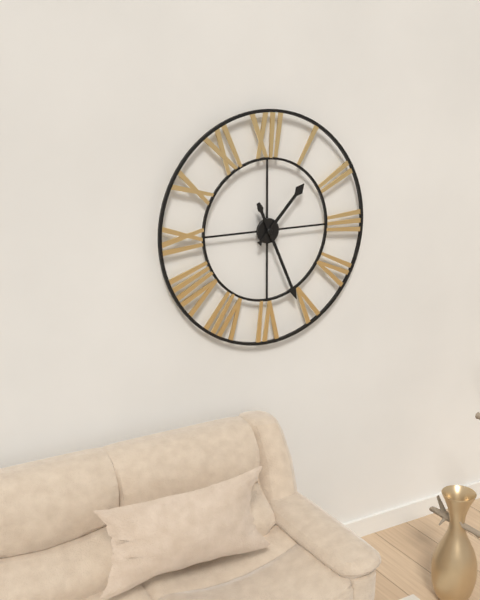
{"hour": 1, "minute": 26}
